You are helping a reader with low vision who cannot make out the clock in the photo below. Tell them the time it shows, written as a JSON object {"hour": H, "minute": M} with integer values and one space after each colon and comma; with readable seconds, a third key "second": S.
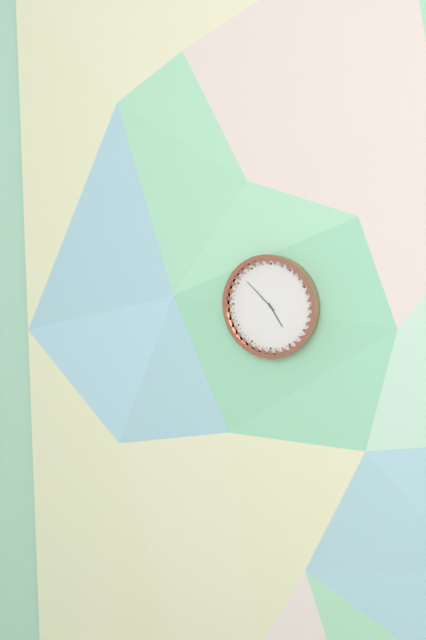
{"hour": 4, "minute": 52}
